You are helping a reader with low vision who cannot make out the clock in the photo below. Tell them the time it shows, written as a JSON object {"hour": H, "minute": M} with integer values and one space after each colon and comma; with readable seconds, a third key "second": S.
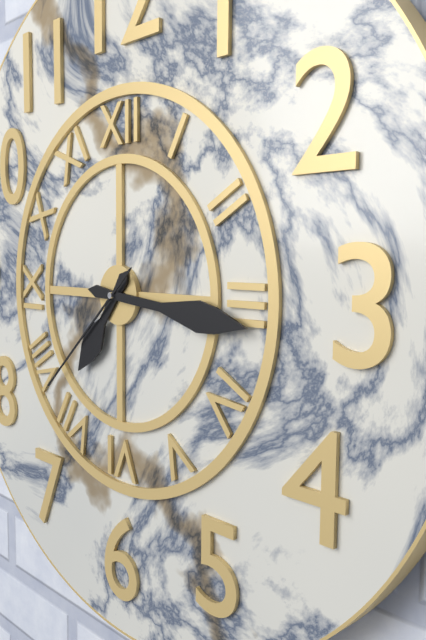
{"hour": 7, "minute": 16, "second": 38}
